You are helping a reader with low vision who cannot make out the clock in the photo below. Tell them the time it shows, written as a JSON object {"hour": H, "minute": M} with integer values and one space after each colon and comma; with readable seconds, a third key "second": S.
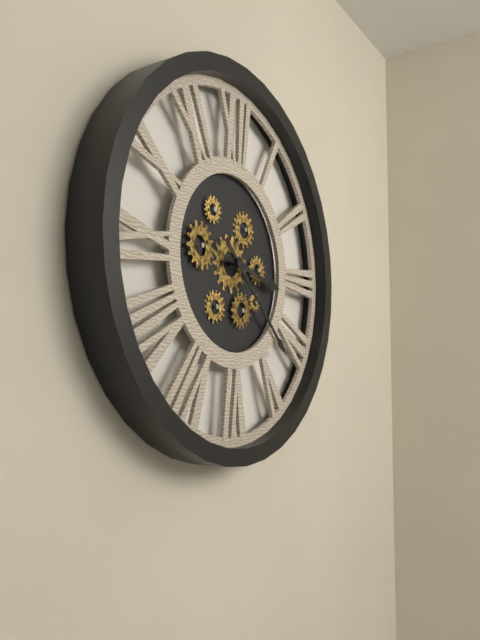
{"hour": 3, "minute": 22}
